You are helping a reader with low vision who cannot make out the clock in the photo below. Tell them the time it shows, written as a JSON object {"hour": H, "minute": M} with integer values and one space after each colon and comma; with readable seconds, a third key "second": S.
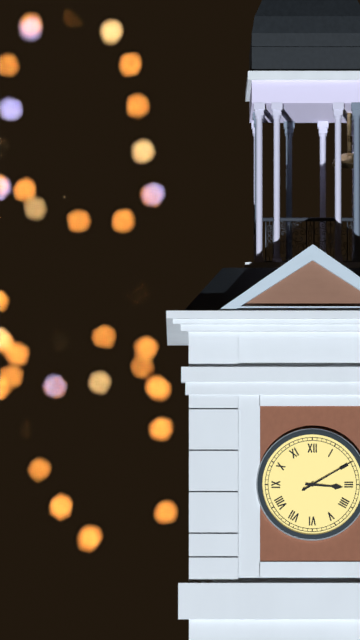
{"hour": 3, "minute": 10}
